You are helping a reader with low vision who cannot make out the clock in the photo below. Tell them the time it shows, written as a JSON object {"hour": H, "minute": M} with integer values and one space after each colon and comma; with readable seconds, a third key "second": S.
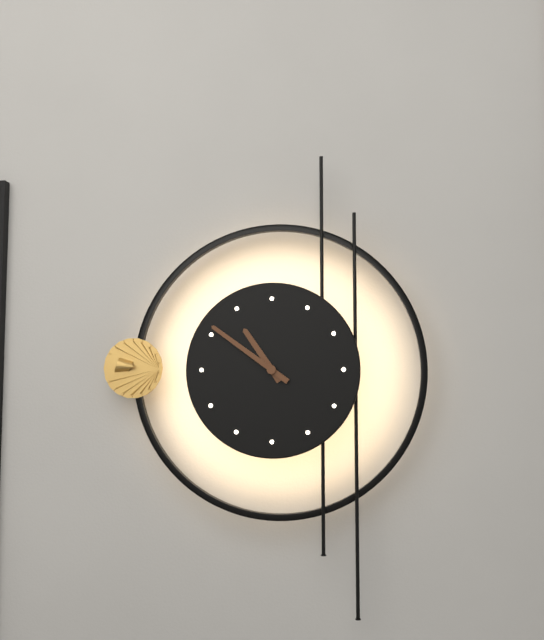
{"hour": 10, "minute": 51}
